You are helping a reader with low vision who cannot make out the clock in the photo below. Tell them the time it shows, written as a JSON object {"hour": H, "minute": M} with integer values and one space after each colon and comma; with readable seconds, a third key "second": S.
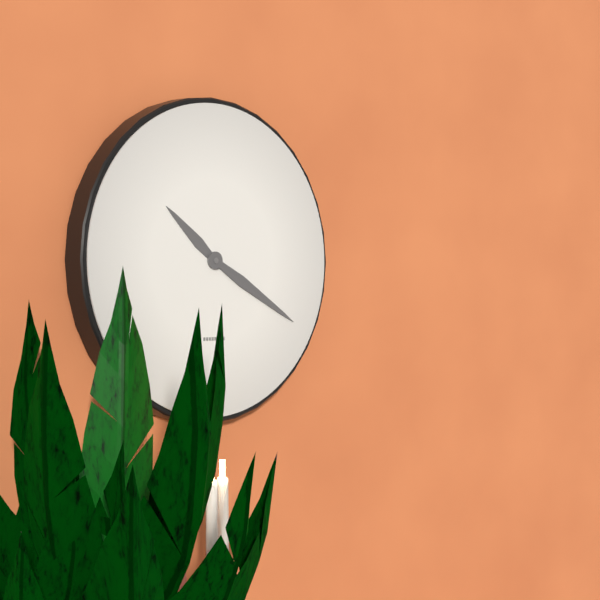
{"hour": 10, "minute": 20}
